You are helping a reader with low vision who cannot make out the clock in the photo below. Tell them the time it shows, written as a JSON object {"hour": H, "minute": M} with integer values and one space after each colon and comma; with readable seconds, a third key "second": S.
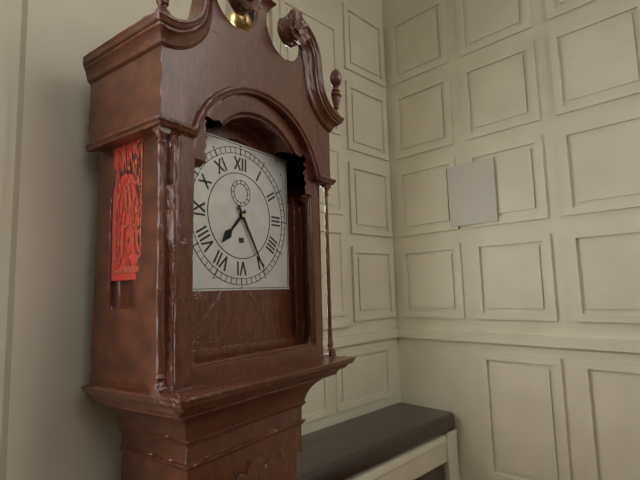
{"hour": 7, "minute": 25}
